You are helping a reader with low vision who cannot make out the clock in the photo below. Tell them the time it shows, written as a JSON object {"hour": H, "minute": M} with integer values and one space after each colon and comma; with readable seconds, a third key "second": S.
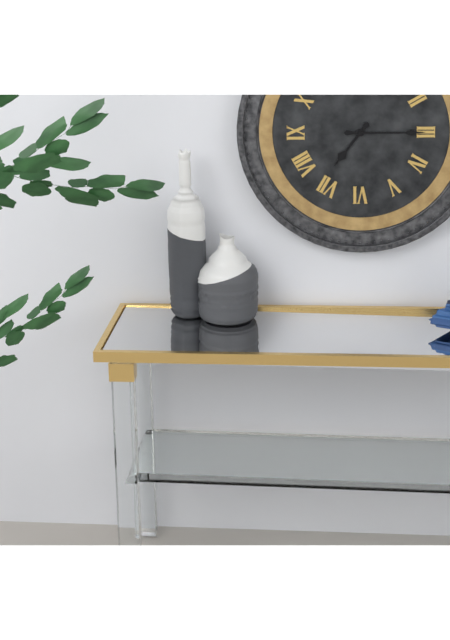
{"hour": 7, "minute": 15}
